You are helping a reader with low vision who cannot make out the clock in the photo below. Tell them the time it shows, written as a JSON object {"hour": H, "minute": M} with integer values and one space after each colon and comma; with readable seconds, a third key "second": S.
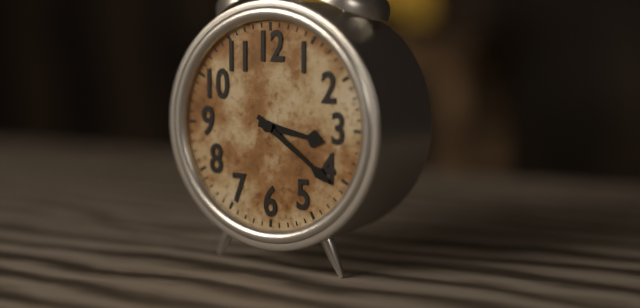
{"hour": 3, "minute": 21}
